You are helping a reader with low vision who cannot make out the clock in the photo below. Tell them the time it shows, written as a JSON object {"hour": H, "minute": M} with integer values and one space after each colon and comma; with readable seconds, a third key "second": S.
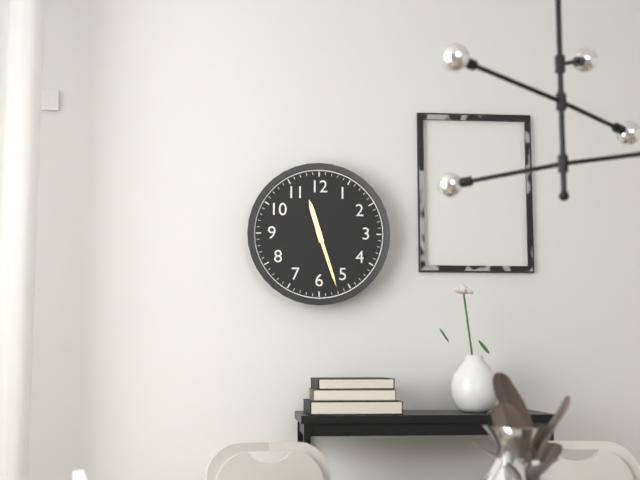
{"hour": 11, "minute": 27}
